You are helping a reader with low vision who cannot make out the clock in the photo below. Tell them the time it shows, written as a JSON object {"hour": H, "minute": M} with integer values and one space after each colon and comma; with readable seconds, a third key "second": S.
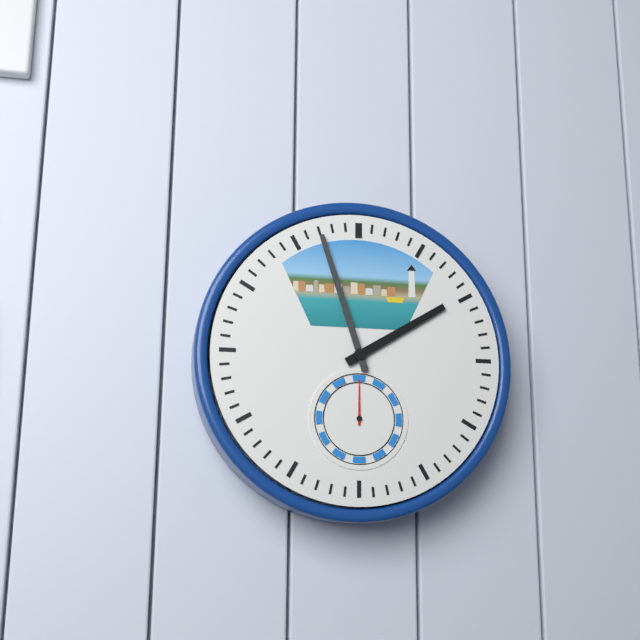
{"hour": 1, "minute": 57}
